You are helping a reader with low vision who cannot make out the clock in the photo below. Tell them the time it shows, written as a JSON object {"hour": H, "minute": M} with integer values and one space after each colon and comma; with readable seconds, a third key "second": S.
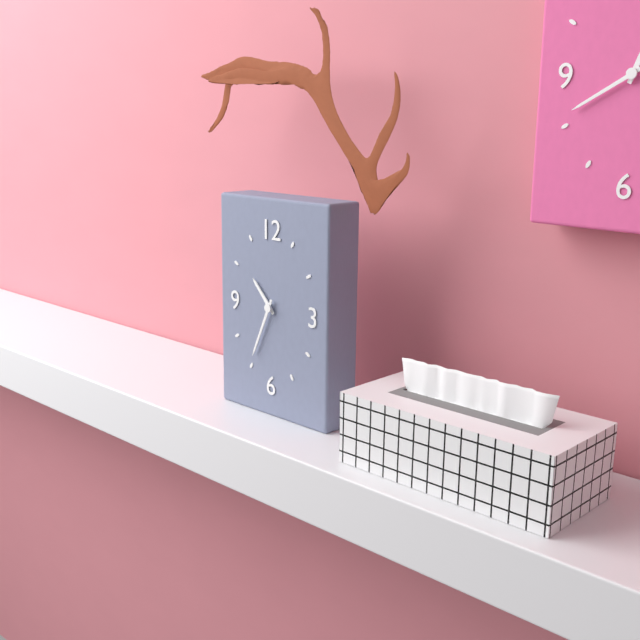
{"hour": 10, "minute": 34}
